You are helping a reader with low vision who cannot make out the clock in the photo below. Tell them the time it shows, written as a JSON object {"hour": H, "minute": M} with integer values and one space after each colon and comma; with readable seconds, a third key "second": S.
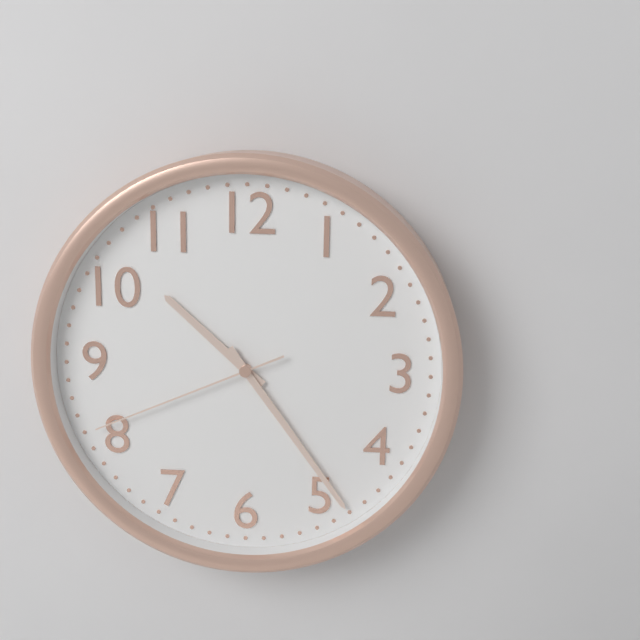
{"hour": 10, "minute": 24, "second": 41}
